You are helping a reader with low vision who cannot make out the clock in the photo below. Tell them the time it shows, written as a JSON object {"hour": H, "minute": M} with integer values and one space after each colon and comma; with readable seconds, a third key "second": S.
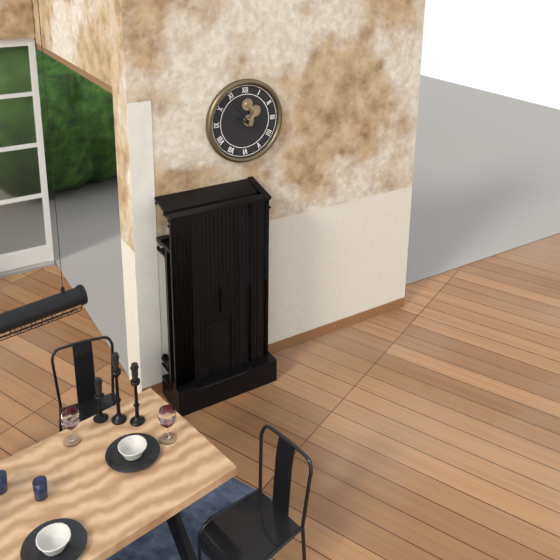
{"hour": 9, "minute": 53}
